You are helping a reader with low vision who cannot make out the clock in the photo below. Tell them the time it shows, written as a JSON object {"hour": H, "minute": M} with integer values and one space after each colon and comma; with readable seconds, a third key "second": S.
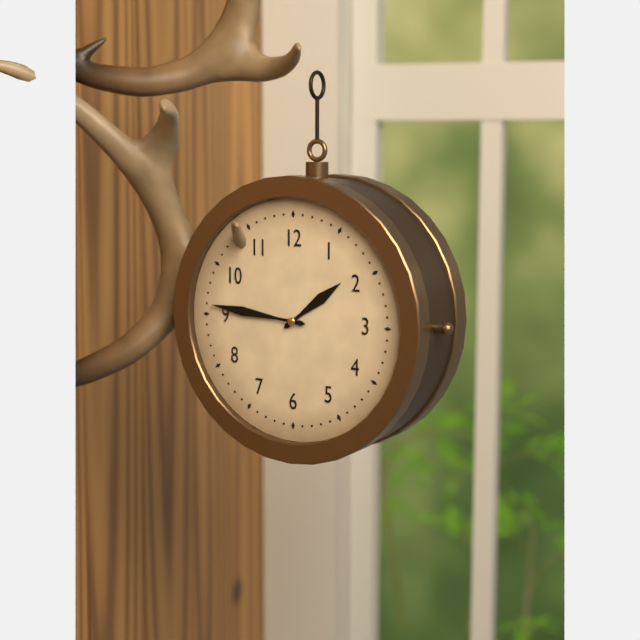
{"hour": 1, "minute": 46}
